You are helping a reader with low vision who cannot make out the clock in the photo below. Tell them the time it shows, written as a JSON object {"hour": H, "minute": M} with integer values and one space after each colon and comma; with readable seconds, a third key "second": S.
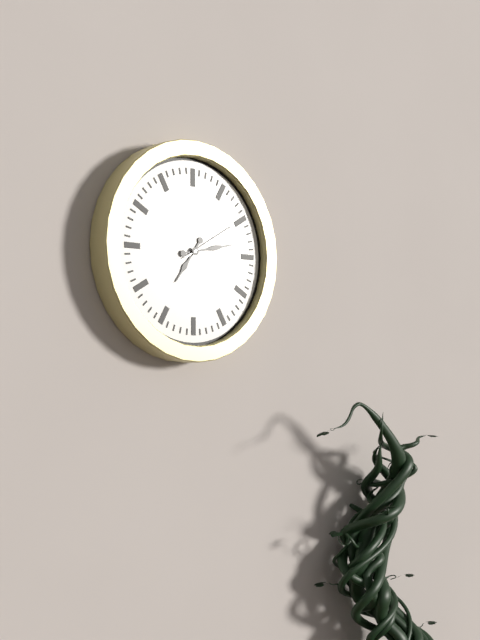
{"hour": 7, "minute": 13, "second": 10}
